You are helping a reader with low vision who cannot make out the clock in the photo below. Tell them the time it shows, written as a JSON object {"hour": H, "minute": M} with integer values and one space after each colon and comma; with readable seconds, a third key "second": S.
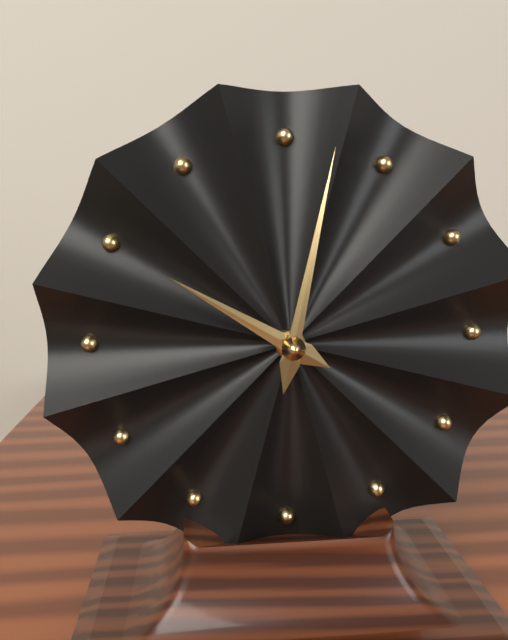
{"hour": 10, "minute": 2}
